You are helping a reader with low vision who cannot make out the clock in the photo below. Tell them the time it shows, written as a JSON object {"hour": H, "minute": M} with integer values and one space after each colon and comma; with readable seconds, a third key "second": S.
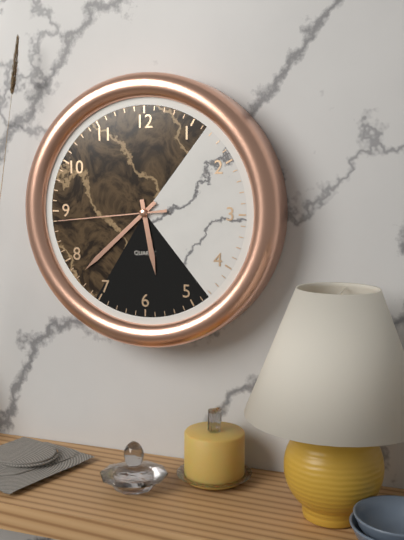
{"hour": 5, "minute": 38, "second": 44}
